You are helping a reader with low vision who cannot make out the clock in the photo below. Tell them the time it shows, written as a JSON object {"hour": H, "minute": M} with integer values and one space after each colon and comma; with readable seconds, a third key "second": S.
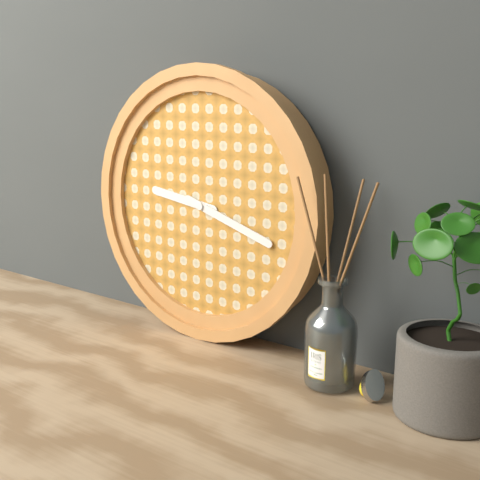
{"hour": 9, "minute": 18}
